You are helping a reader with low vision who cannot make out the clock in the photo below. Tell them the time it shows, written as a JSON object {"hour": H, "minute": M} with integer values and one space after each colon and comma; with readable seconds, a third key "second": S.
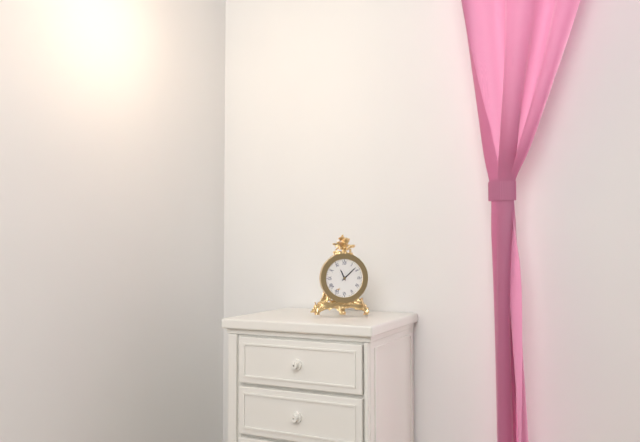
{"hour": 11, "minute": 8}
